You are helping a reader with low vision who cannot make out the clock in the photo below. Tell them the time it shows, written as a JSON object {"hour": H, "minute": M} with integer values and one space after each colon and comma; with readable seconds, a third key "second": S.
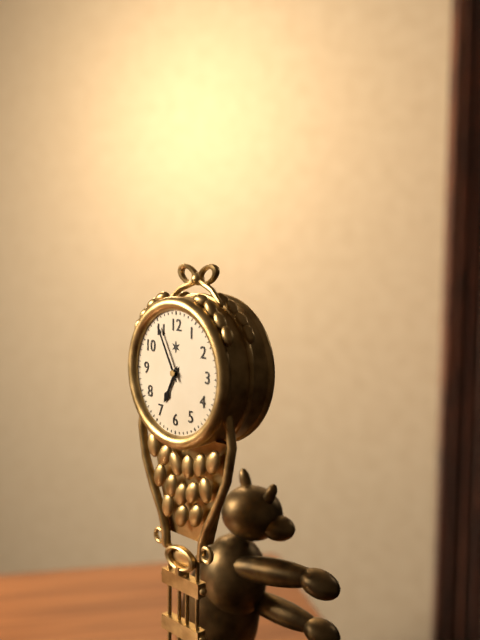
{"hour": 6, "minute": 55}
